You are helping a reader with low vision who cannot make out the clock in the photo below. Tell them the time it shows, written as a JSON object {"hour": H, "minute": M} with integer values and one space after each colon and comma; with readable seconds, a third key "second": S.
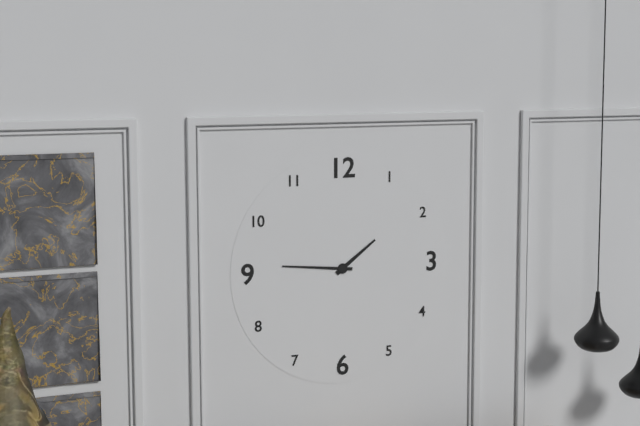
{"hour": 1, "minute": 46}
